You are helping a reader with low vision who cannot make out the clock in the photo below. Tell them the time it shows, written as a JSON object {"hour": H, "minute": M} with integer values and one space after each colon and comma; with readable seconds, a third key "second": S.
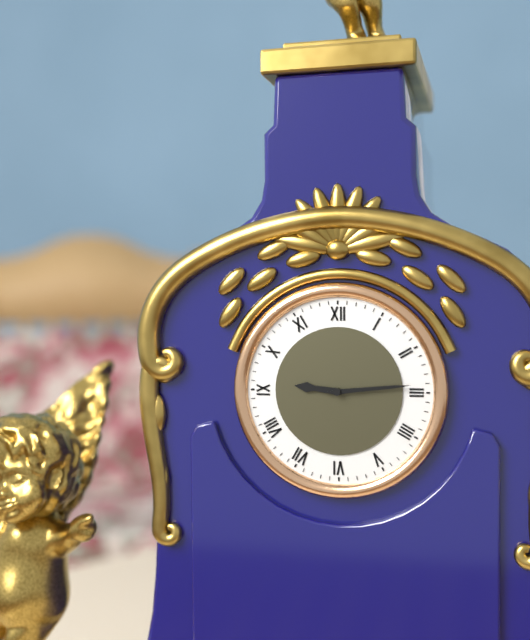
{"hour": 9, "minute": 14}
